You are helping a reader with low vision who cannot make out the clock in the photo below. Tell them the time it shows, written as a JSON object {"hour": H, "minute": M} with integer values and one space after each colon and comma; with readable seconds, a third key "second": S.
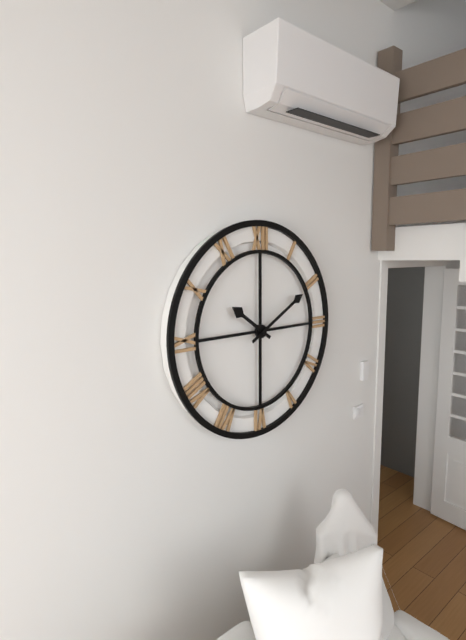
{"hour": 10, "minute": 10}
